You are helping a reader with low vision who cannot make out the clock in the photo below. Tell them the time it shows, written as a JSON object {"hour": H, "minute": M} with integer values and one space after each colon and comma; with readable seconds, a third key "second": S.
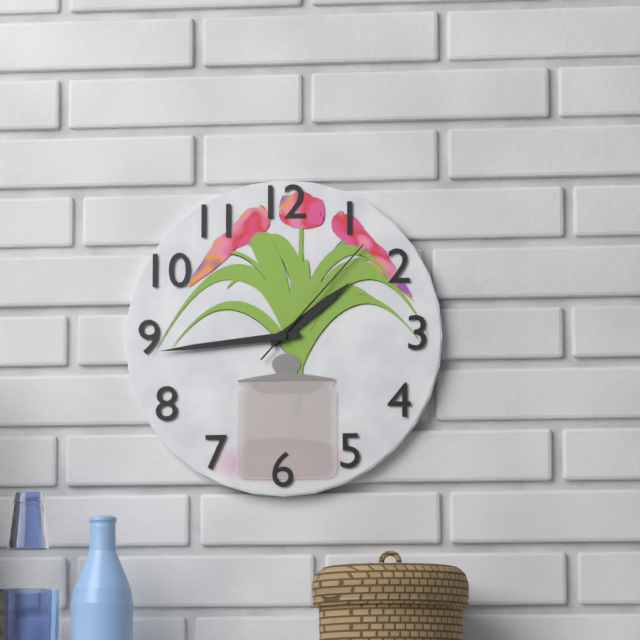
{"hour": 1, "minute": 44, "second": 7}
